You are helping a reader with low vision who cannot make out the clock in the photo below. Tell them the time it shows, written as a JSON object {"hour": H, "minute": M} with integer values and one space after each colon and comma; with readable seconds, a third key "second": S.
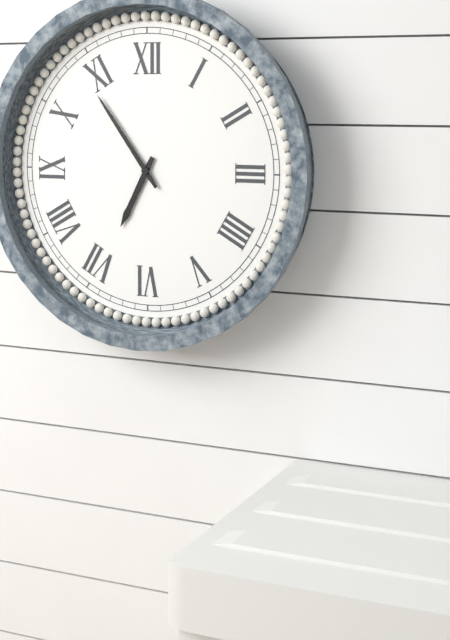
{"hour": 6, "minute": 54}
